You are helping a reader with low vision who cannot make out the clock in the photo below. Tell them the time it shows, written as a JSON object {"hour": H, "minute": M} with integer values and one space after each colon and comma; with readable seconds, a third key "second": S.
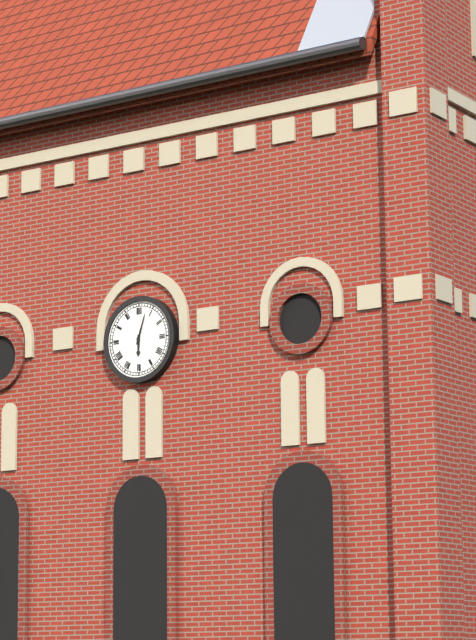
{"hour": 6, "minute": 3}
